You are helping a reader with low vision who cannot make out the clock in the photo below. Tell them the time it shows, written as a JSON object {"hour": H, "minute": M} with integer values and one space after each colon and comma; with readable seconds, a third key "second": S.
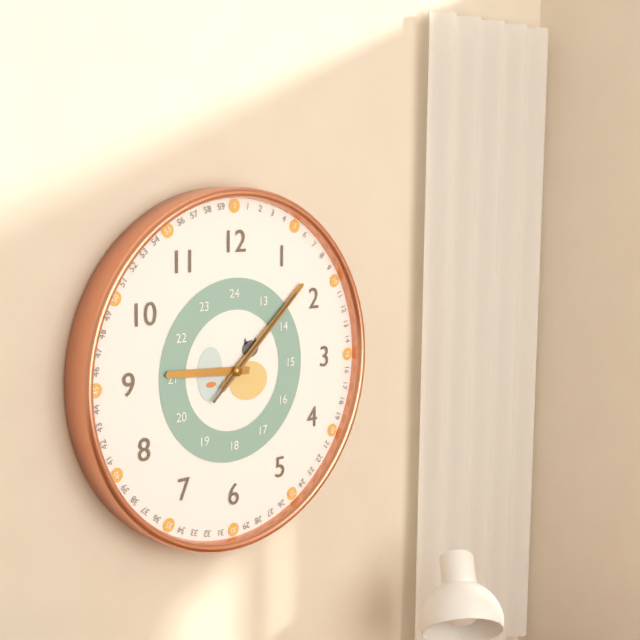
{"hour": 9, "minute": 8, "second": 8}
